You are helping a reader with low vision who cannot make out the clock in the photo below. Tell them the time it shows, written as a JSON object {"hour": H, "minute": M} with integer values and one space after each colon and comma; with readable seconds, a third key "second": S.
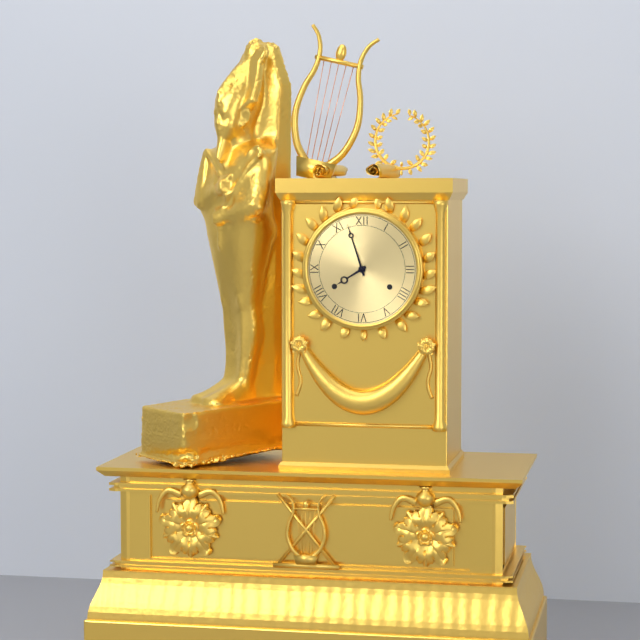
{"hour": 7, "minute": 57}
